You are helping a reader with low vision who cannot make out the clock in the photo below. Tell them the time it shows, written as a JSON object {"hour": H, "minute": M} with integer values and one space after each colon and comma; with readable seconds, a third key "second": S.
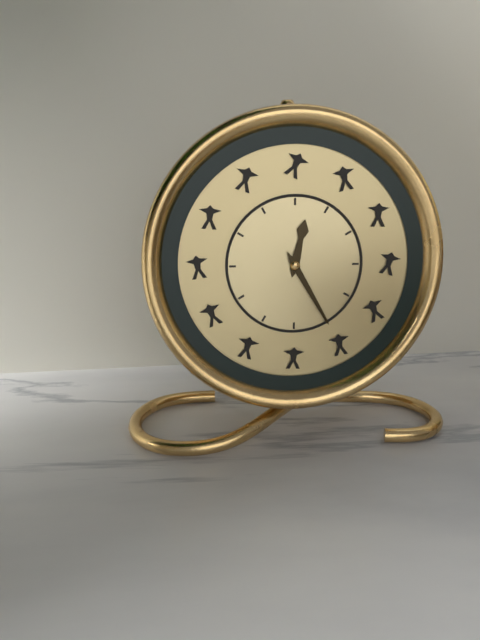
{"hour": 12, "minute": 25}
